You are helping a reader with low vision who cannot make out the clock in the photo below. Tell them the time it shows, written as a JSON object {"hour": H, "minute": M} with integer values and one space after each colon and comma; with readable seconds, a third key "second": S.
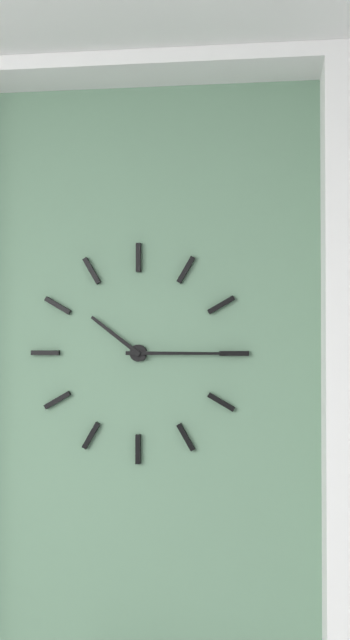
{"hour": 10, "minute": 15}
